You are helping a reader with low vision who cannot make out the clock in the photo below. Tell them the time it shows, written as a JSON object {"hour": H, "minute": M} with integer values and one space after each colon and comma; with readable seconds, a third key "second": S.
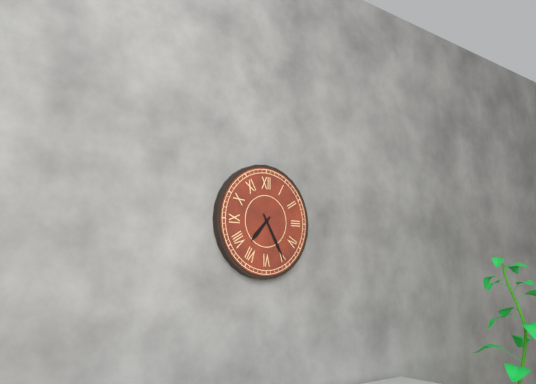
{"hour": 7, "minute": 25}
